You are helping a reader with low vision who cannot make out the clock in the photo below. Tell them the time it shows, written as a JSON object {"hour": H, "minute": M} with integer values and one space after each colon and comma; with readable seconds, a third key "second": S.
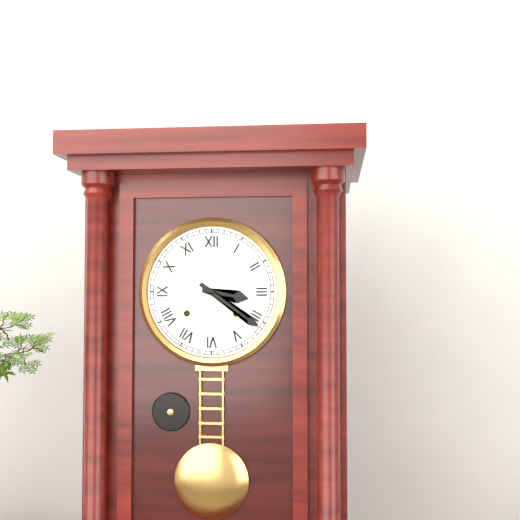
{"hour": 3, "minute": 21}
